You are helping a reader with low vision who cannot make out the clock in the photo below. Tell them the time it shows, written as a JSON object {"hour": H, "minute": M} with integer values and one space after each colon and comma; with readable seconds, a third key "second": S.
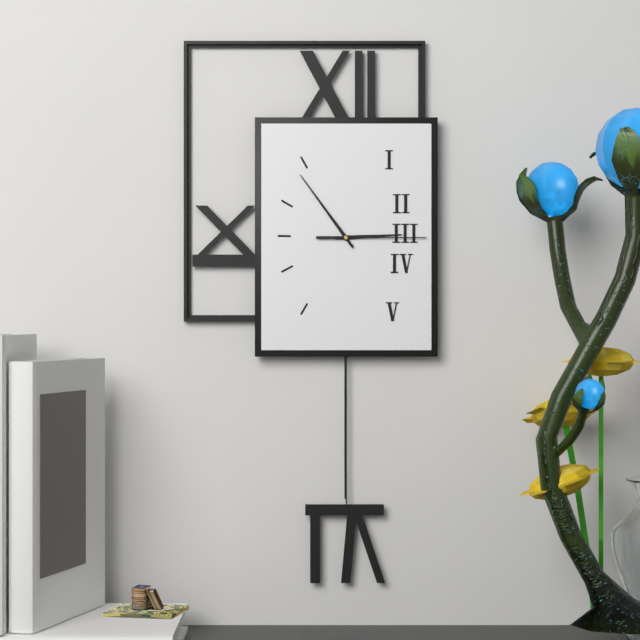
{"hour": 2, "minute": 54, "second": 15}
